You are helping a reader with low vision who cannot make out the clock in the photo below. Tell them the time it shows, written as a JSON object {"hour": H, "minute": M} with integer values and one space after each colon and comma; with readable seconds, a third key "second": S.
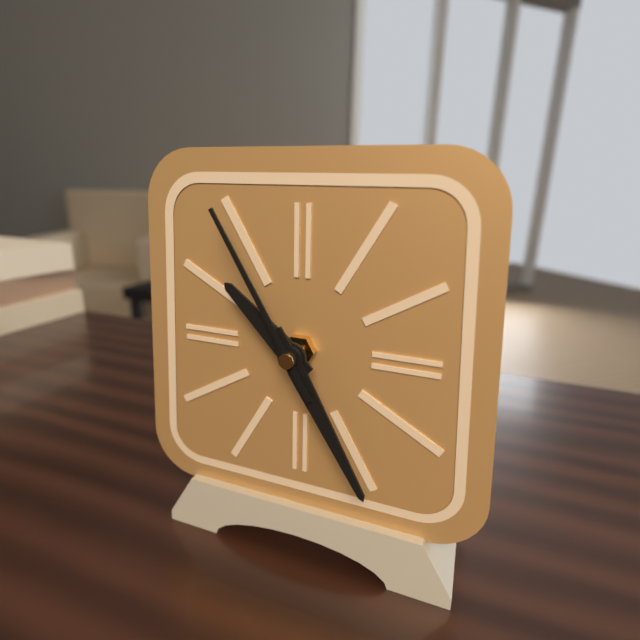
{"hour": 10, "minute": 25, "second": 55}
